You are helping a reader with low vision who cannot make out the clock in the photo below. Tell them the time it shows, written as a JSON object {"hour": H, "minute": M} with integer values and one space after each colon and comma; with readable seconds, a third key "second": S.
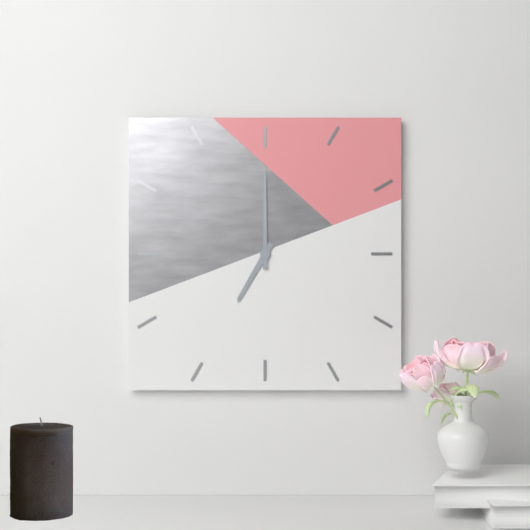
{"hour": 7, "minute": 0}
